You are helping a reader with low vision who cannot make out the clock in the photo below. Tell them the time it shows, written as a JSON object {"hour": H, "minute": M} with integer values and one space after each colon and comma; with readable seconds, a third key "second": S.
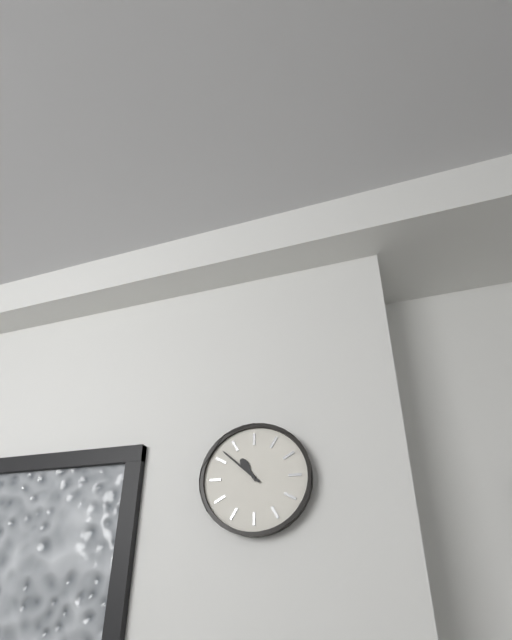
{"hour": 10, "minute": 52}
